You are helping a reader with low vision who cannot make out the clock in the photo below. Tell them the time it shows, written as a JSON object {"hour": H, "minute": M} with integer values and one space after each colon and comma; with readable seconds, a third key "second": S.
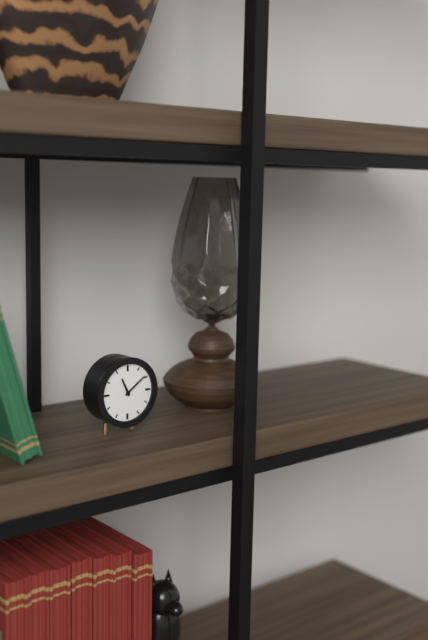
{"hour": 11, "minute": 9}
